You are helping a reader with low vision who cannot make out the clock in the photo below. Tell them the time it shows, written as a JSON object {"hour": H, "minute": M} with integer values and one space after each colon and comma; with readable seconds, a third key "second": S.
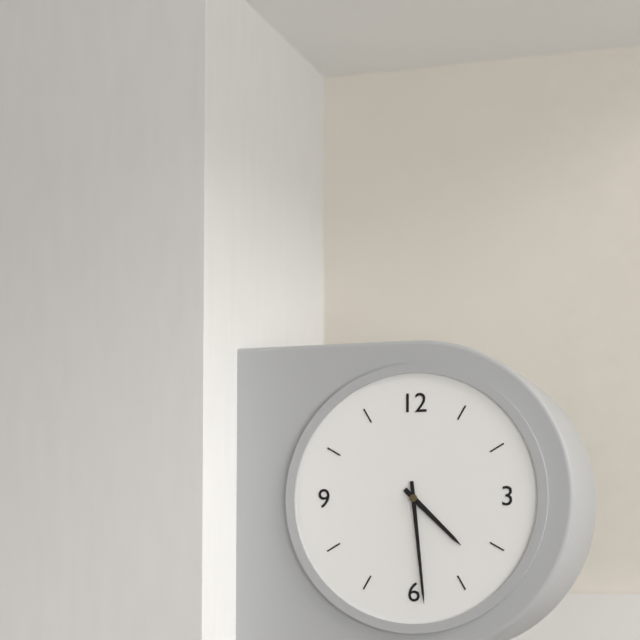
{"hour": 4, "minute": 29}
